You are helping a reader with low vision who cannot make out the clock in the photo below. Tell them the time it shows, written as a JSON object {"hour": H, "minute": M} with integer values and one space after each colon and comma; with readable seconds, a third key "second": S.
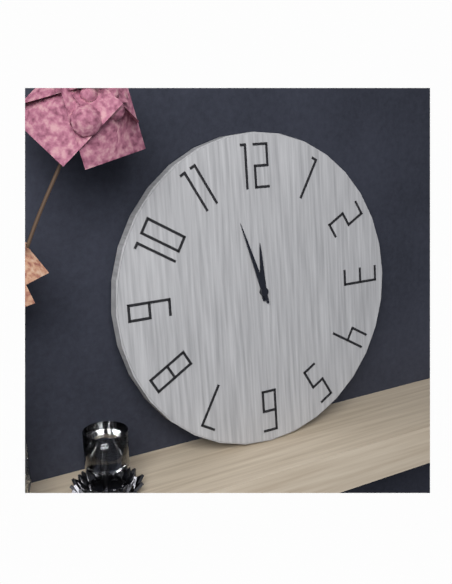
{"hour": 11, "minute": 57}
